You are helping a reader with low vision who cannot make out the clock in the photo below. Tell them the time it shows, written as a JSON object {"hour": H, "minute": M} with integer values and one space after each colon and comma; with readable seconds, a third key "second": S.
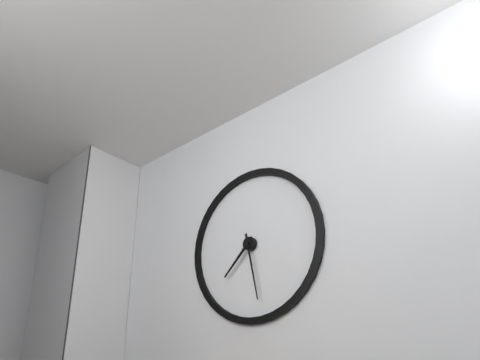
{"hour": 7, "minute": 28}
